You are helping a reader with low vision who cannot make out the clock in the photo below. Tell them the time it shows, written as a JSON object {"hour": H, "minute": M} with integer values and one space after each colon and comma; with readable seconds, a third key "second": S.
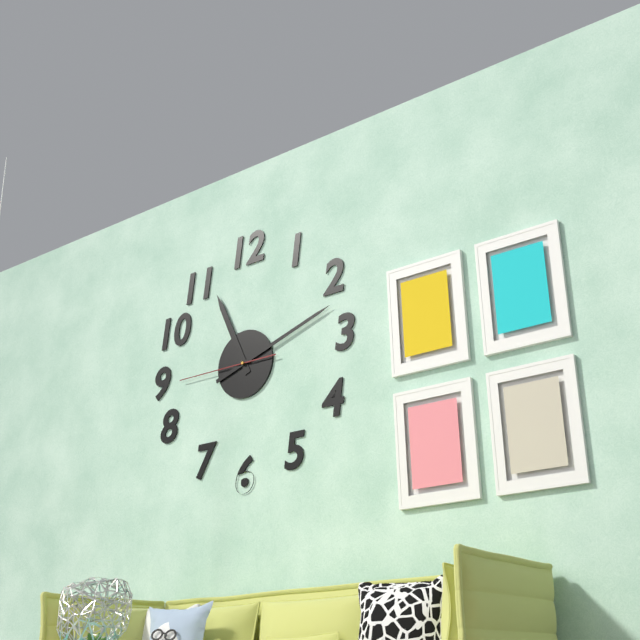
{"hour": 11, "minute": 12, "second": 45}
